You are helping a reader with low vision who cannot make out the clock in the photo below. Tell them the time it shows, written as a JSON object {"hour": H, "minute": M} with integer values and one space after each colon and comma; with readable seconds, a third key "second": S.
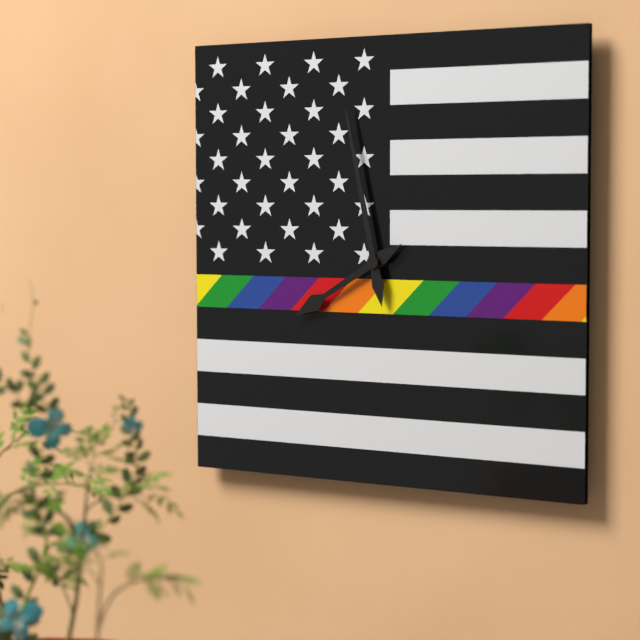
{"hour": 7, "minute": 58}
